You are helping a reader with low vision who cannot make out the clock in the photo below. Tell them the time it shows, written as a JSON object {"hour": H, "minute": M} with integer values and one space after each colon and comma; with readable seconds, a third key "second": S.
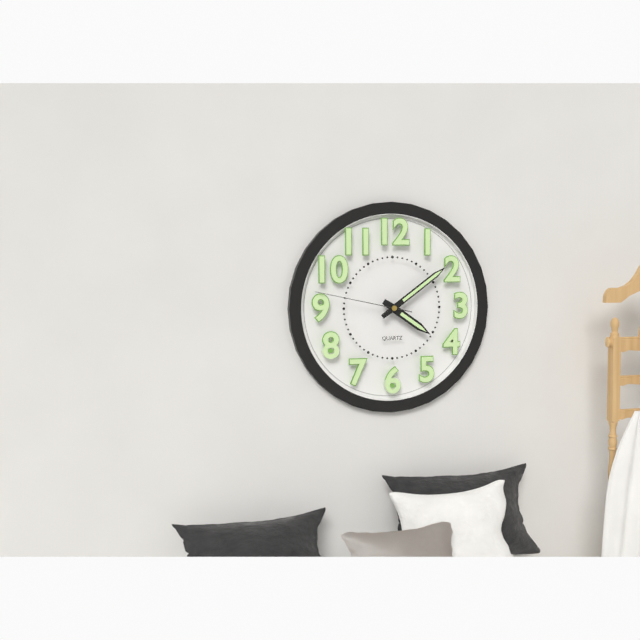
{"hour": 4, "minute": 9, "second": 47}
